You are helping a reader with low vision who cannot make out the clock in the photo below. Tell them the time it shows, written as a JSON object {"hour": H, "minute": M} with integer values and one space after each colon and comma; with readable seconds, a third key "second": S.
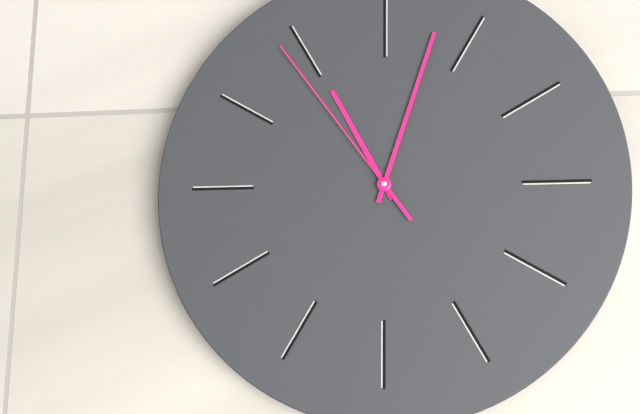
{"hour": 11, "minute": 3, "second": 54}
